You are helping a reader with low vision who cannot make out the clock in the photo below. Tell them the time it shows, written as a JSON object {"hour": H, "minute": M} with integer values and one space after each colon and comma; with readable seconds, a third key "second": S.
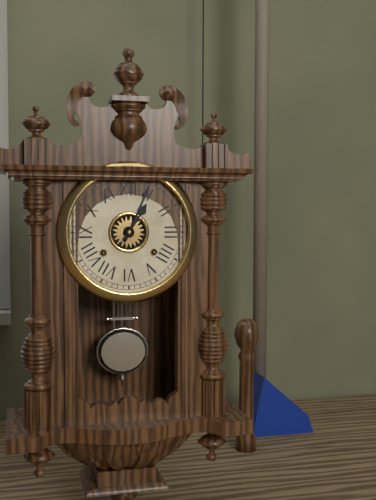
{"hour": 1, "minute": 4}
